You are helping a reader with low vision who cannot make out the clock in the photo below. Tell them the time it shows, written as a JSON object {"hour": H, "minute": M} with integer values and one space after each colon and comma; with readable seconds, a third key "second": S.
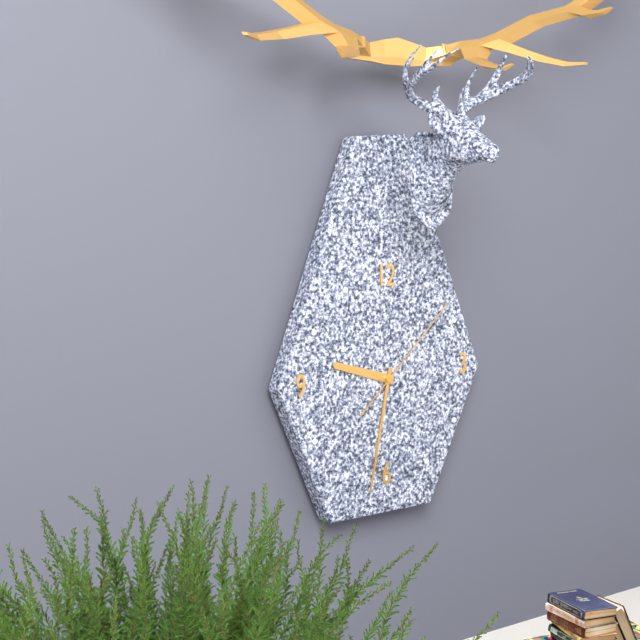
{"hour": 9, "minute": 32, "second": 8}
